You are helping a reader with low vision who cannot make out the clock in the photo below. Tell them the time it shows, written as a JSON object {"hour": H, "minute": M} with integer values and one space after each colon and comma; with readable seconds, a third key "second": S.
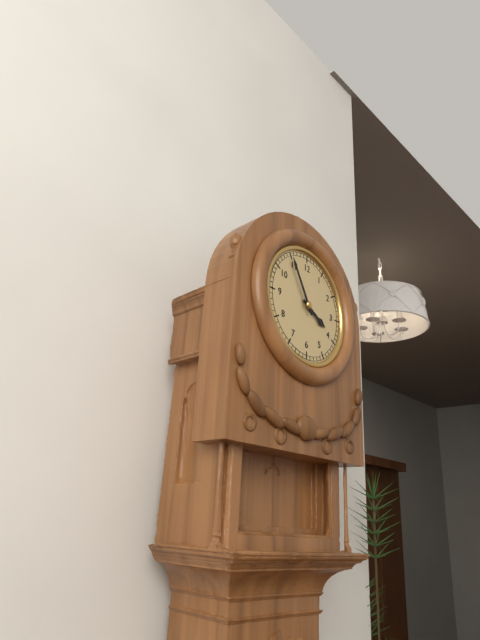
{"hour": 3, "minute": 55}
